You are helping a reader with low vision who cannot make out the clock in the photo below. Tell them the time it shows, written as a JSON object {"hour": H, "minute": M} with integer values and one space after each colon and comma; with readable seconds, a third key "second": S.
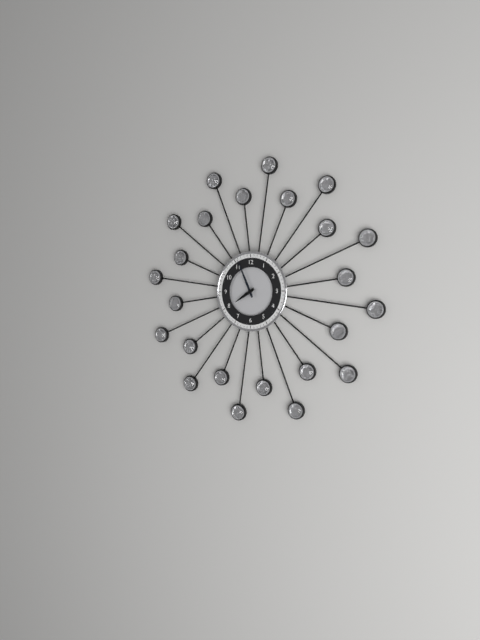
{"hour": 7, "minute": 56}
